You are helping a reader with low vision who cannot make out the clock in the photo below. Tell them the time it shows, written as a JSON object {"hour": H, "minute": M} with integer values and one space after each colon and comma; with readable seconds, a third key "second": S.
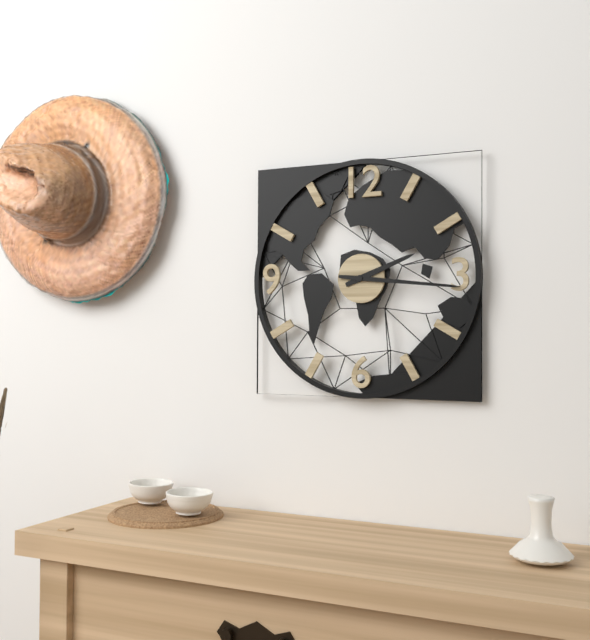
{"hour": 2, "minute": 16}
